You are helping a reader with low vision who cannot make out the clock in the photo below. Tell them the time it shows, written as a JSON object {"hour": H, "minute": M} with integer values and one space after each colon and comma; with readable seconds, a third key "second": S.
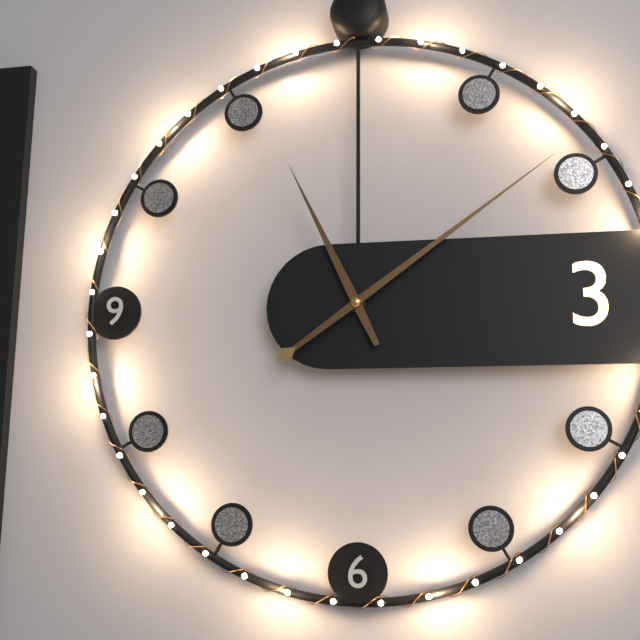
{"hour": 11, "minute": 9}
